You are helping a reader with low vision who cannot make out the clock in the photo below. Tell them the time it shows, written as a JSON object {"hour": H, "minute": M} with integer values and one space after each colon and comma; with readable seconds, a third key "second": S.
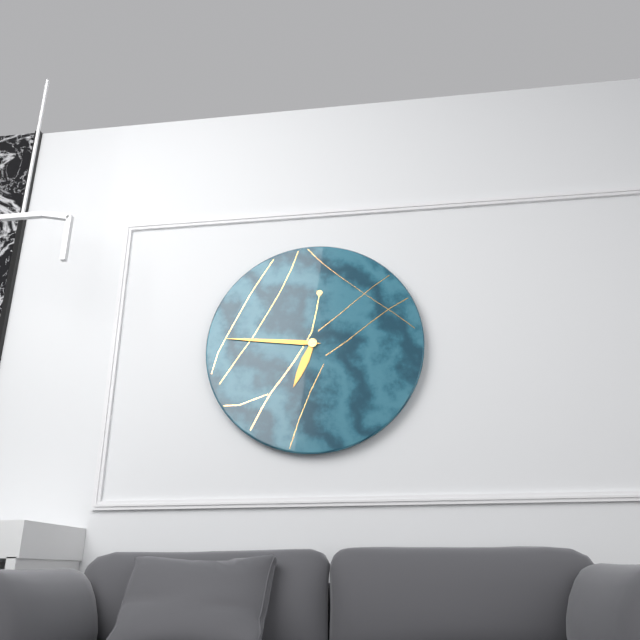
{"hour": 6, "minute": 46}
